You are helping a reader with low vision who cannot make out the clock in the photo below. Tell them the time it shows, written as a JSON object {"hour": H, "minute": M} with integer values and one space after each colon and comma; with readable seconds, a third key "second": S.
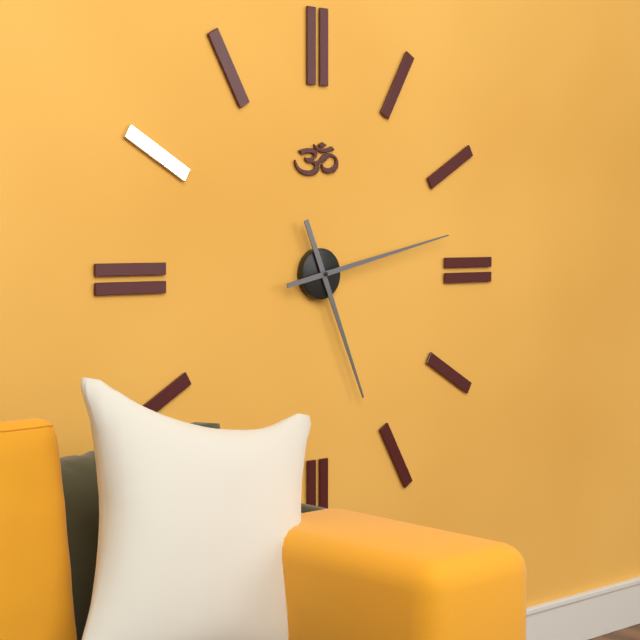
{"hour": 5, "minute": 13}
